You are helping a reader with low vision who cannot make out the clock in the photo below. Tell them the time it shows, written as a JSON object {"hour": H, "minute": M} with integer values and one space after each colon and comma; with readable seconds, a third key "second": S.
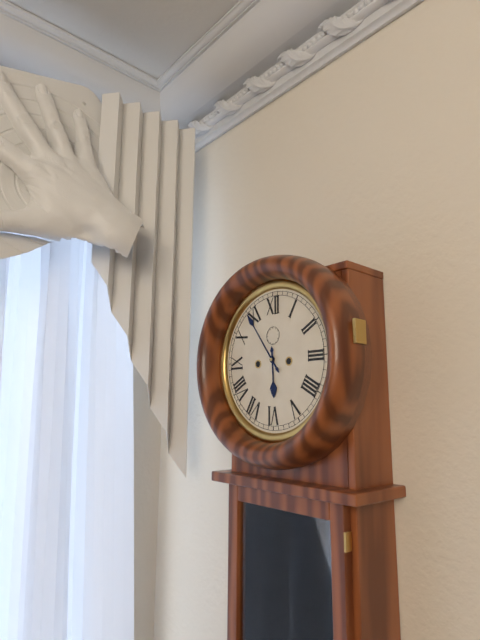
{"hour": 5, "minute": 54}
